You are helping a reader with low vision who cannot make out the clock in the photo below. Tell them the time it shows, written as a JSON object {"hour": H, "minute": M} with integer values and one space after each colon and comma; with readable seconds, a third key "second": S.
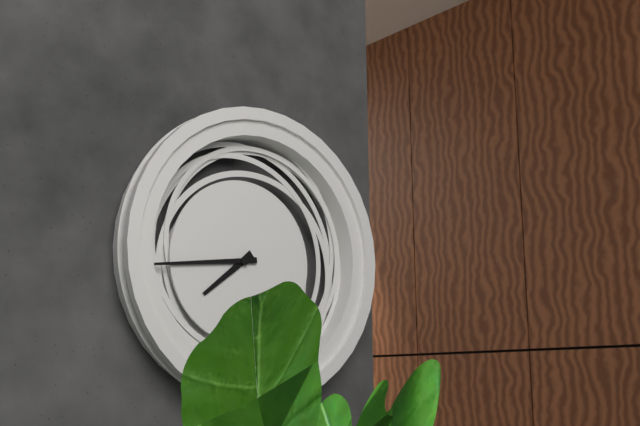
{"hour": 7, "minute": 44}
